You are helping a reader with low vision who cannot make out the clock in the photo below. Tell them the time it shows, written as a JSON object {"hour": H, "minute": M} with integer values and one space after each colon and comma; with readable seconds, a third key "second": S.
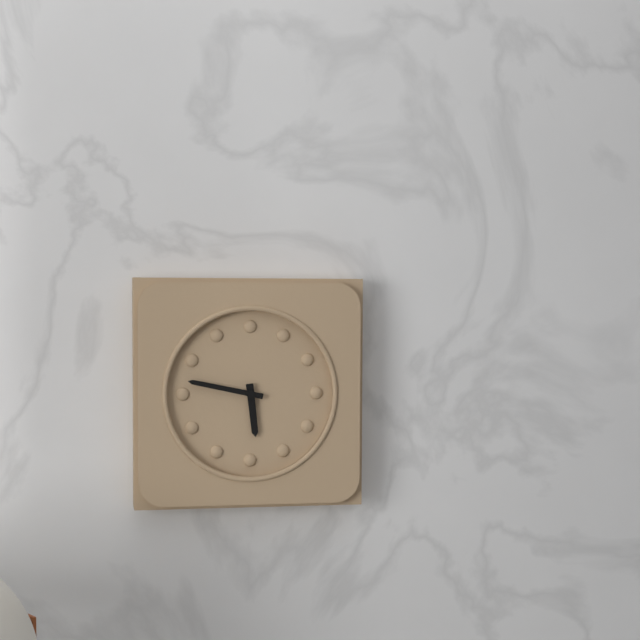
{"hour": 5, "minute": 47}
